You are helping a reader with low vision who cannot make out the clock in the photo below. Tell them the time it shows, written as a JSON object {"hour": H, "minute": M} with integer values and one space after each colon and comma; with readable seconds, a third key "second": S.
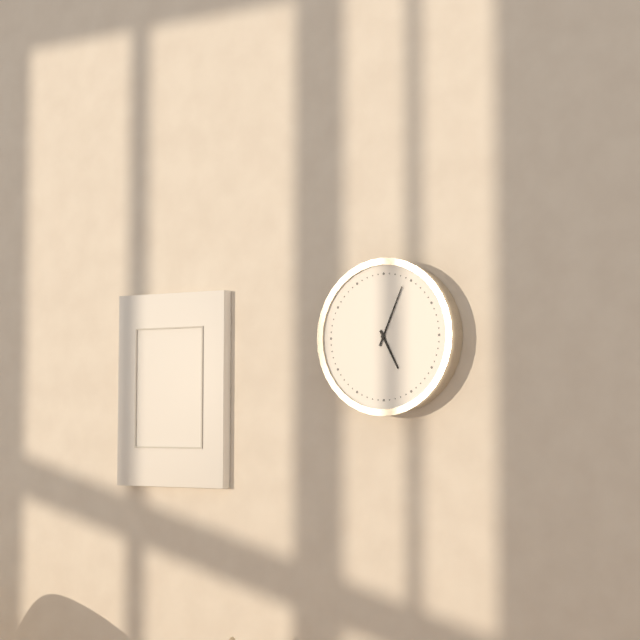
{"hour": 5, "minute": 4}
